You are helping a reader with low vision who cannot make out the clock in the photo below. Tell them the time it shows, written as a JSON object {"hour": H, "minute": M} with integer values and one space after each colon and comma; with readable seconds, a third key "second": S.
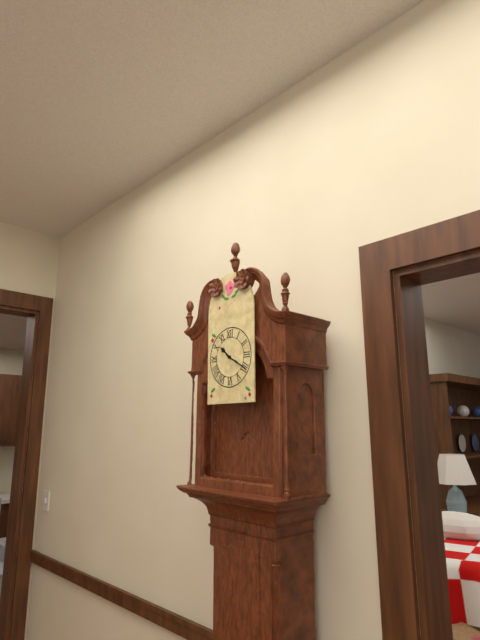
{"hour": 10, "minute": 20}
